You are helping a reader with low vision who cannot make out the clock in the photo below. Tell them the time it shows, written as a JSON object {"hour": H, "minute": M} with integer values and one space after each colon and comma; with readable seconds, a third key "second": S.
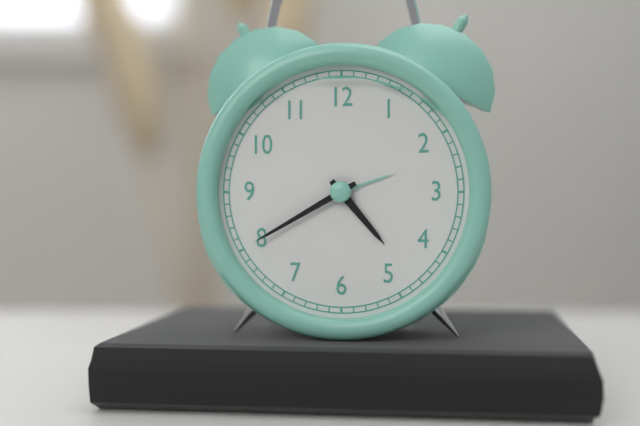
{"hour": 4, "minute": 40}
